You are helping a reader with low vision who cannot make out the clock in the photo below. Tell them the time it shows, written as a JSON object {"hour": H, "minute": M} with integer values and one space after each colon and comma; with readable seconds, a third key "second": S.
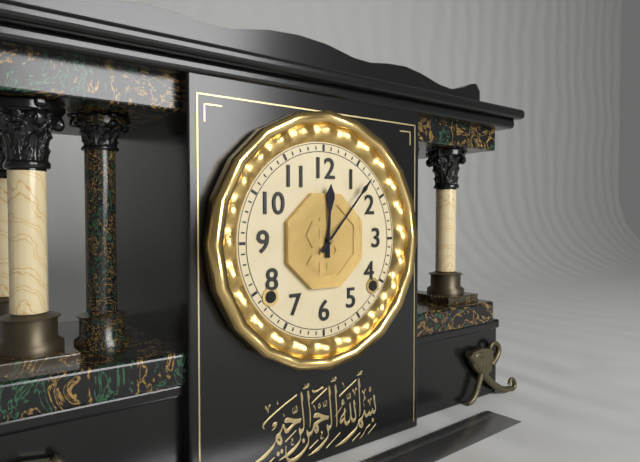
{"hour": 12, "minute": 7}
